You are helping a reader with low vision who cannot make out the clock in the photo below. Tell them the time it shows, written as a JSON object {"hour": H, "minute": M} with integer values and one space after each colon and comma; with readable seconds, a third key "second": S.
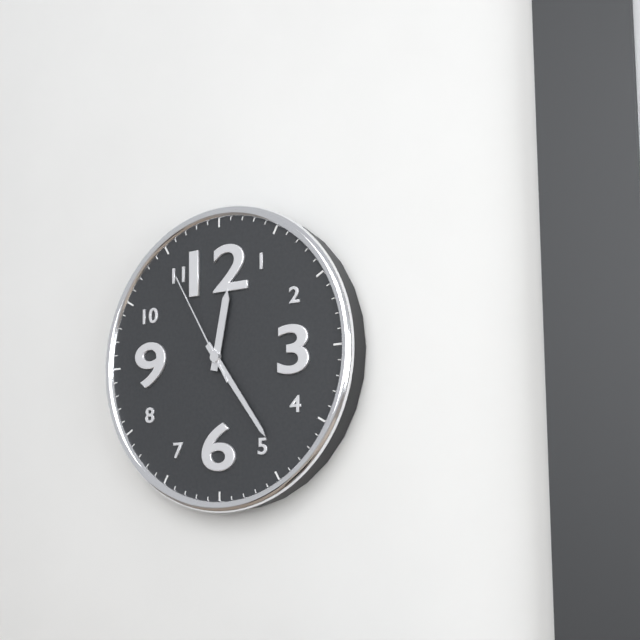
{"hour": 12, "minute": 24, "second": 55}
